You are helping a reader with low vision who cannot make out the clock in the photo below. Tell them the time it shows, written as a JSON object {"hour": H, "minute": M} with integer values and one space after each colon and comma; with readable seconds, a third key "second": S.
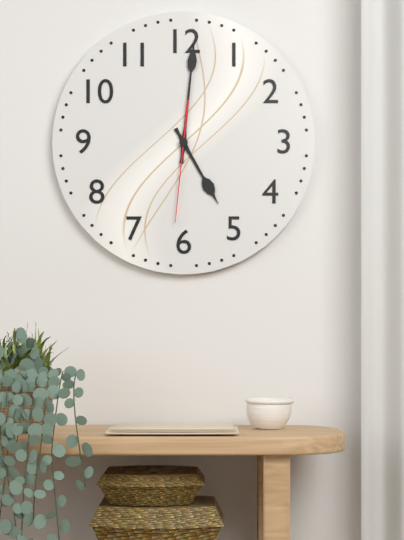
{"hour": 5, "minute": 1, "second": 31}
